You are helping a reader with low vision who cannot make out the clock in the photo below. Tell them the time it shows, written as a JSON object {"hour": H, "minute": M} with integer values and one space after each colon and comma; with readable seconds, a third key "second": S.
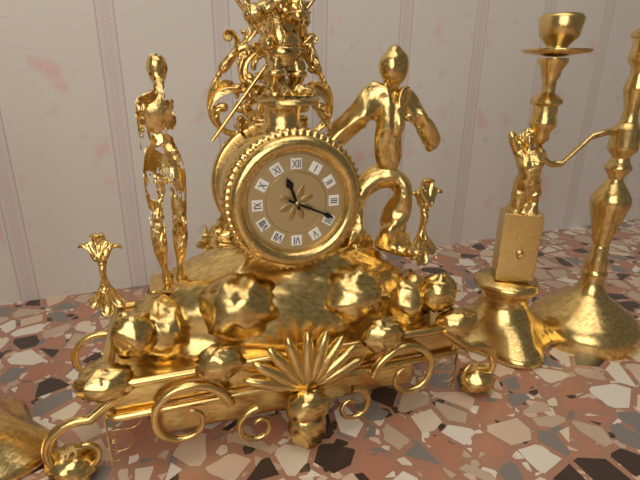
{"hour": 11, "minute": 19}
